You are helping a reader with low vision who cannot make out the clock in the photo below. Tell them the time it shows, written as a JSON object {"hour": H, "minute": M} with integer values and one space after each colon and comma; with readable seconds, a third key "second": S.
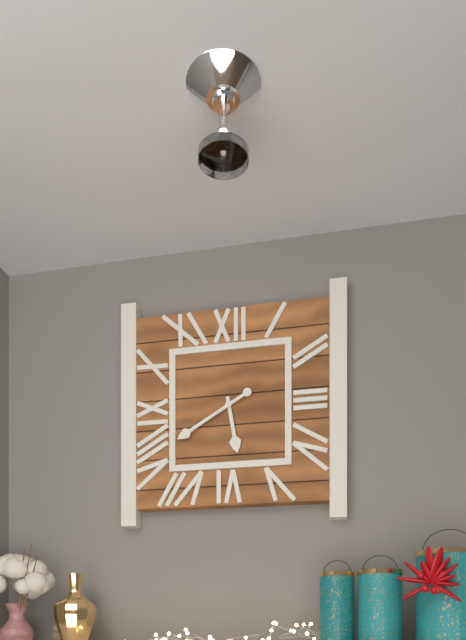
{"hour": 5, "minute": 40}
